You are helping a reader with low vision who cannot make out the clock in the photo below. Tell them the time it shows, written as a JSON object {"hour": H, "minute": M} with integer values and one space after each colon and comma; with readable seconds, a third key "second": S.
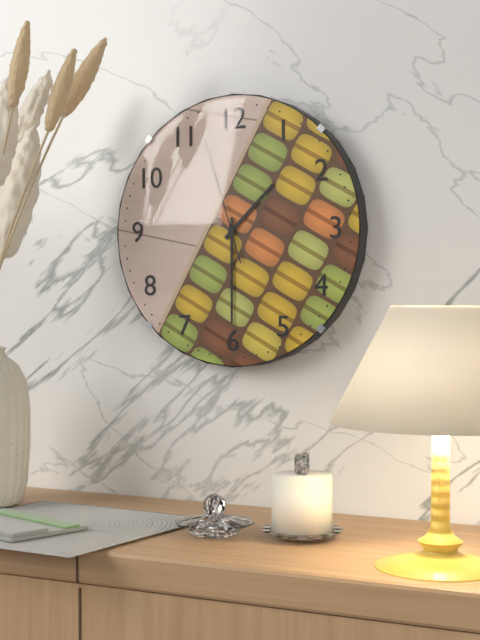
{"hour": 1, "minute": 30, "second": 57}
